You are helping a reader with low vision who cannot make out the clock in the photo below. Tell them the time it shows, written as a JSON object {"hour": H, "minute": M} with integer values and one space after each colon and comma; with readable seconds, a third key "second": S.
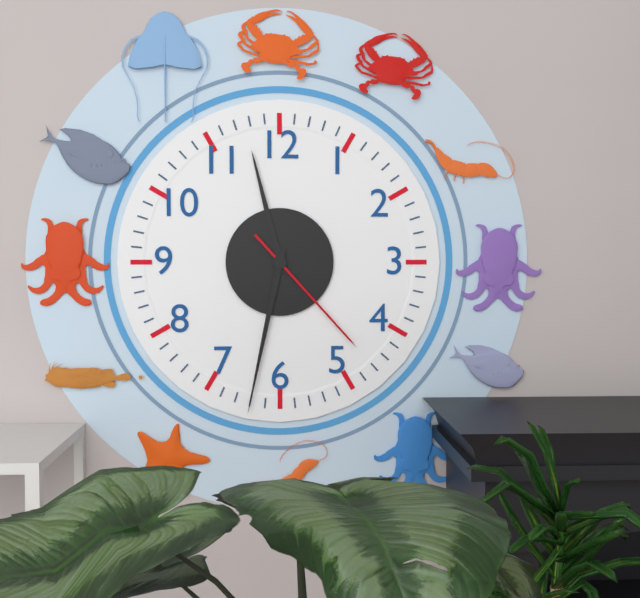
{"hour": 11, "minute": 32, "second": 23}
